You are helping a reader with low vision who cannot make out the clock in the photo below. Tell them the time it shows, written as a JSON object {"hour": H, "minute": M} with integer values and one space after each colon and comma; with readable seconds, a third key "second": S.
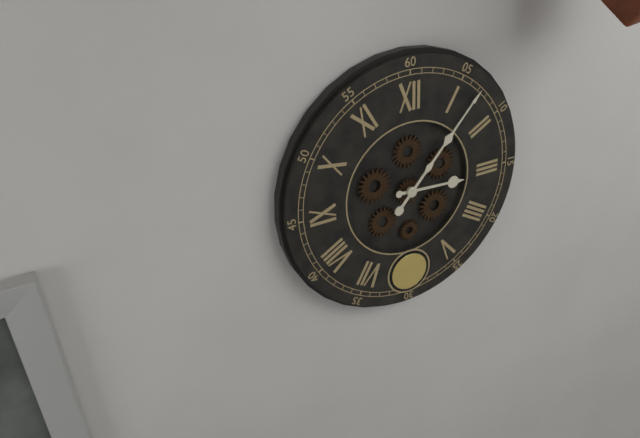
{"hour": 3, "minute": 7}
